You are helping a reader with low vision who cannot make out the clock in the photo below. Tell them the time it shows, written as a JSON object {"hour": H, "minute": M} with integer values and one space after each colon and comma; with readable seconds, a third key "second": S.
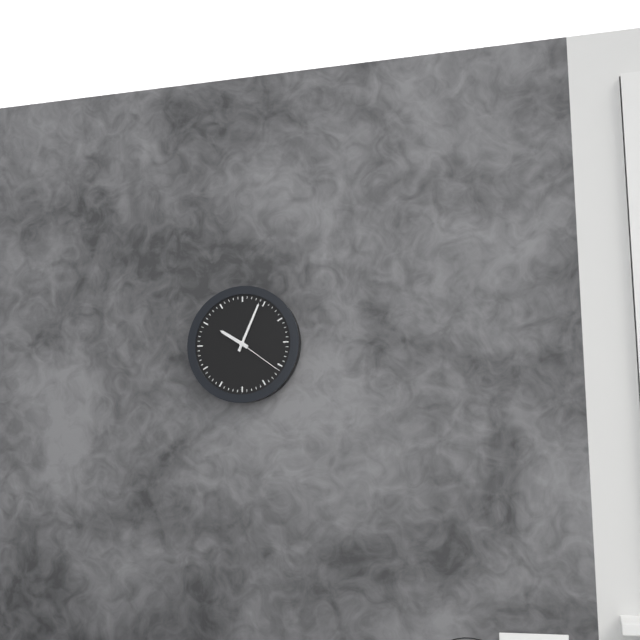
{"hour": 10, "minute": 4}
